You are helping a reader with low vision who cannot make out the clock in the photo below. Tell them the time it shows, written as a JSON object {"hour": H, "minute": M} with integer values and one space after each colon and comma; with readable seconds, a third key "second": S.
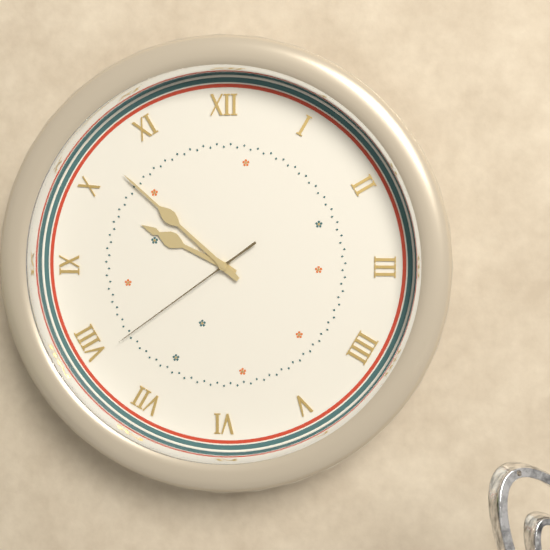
{"hour": 9, "minute": 52, "second": 39}
